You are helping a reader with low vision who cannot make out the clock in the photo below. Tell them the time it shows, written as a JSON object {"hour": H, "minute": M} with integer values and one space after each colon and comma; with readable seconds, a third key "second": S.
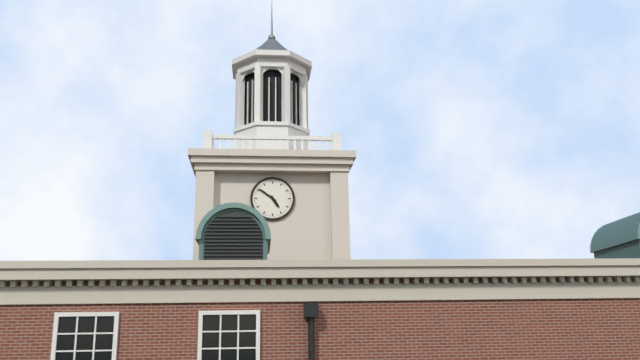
{"hour": 4, "minute": 51}
